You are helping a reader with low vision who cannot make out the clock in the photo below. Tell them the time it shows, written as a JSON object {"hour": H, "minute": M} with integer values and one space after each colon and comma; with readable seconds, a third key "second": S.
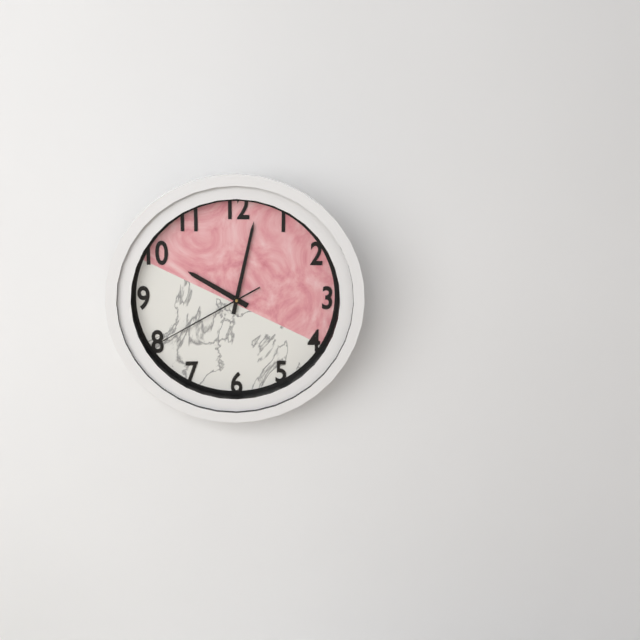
{"hour": 10, "minute": 2, "second": 40}
